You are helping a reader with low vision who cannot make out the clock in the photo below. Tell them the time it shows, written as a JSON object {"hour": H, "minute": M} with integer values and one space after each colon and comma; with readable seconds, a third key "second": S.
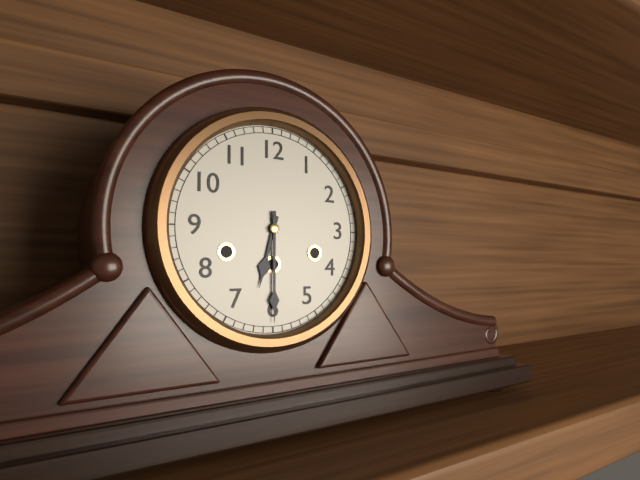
{"hour": 6, "minute": 30}
